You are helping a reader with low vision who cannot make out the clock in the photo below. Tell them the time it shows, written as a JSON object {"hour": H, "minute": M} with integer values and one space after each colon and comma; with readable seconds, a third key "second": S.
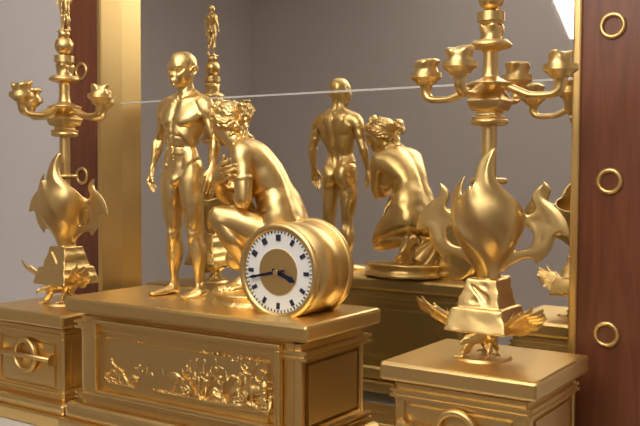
{"hour": 3, "minute": 43}
